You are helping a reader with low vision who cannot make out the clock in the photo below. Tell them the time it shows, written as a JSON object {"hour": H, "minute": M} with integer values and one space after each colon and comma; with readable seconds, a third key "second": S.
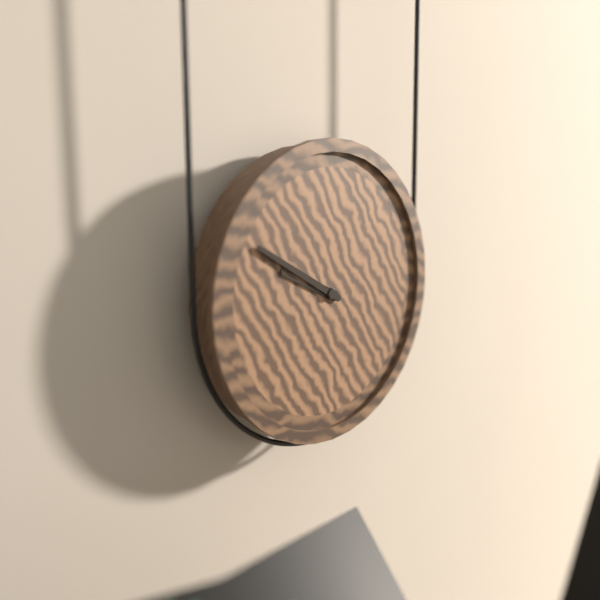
{"hour": 9, "minute": 50}
